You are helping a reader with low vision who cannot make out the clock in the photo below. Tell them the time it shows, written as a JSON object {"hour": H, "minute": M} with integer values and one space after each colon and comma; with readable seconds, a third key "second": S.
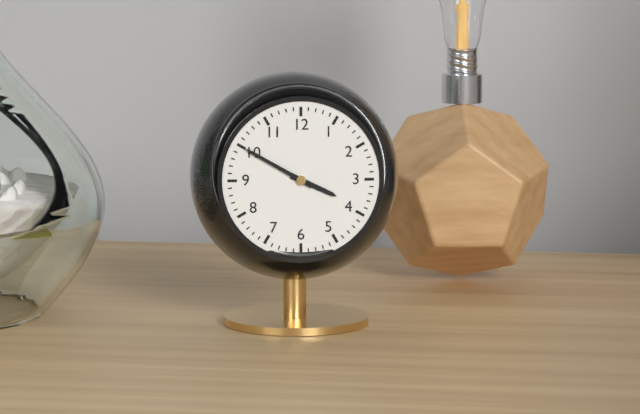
{"hour": 3, "minute": 50}
